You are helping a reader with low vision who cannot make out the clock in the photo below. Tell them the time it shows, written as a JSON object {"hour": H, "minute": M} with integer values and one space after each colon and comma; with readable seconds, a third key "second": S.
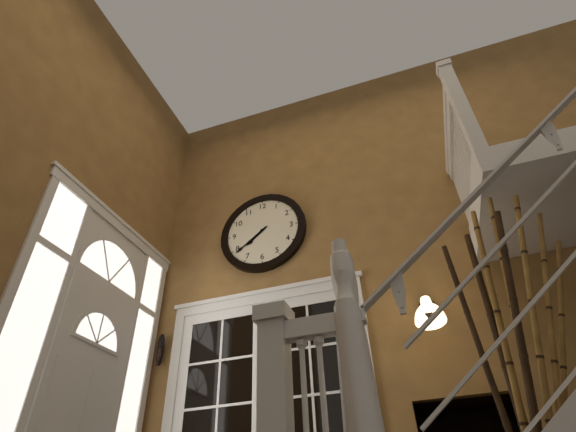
{"hour": 7, "minute": 39}
